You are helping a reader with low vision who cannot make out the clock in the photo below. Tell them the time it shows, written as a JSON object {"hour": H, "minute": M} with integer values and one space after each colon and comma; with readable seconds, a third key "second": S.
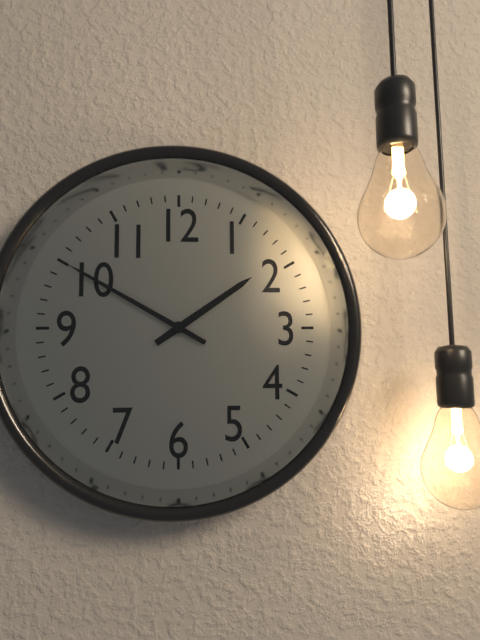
{"hour": 1, "minute": 50}
